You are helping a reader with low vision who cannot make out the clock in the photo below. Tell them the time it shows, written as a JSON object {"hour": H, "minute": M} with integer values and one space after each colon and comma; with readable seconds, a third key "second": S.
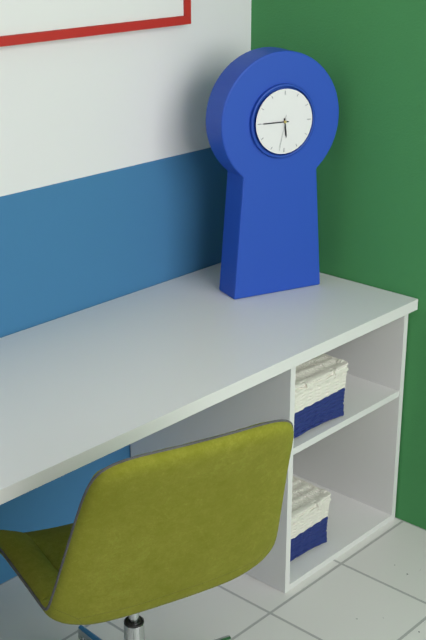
{"hour": 5, "minute": 45}
